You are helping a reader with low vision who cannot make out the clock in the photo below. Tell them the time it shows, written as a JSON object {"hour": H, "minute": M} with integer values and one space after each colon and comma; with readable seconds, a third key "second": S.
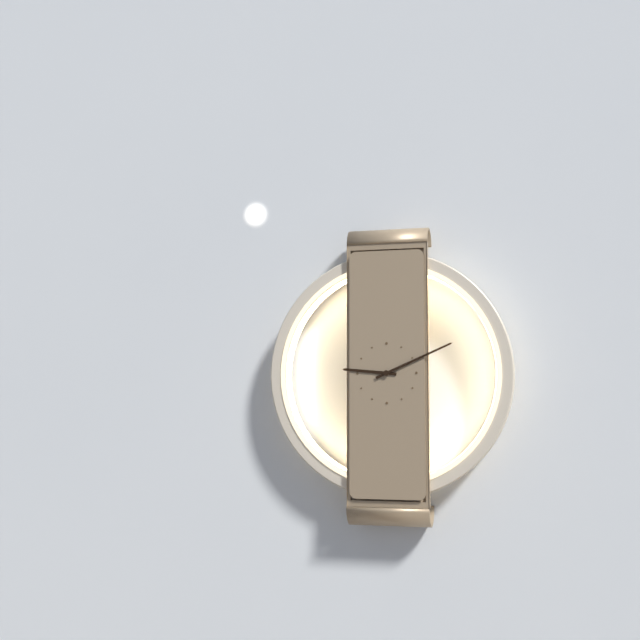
{"hour": 9, "minute": 11}
